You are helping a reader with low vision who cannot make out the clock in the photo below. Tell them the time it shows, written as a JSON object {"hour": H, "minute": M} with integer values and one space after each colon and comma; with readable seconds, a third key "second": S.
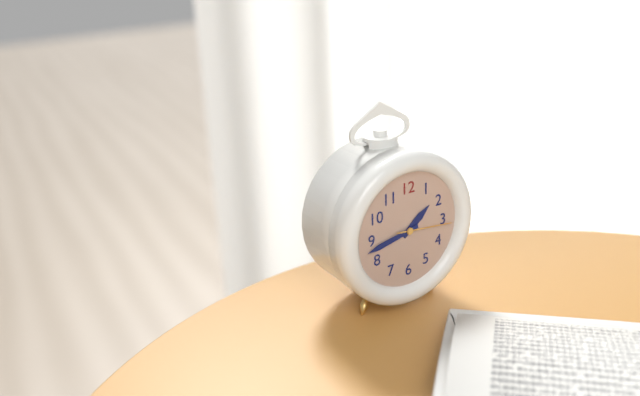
{"hour": 1, "minute": 43, "second": 16}
